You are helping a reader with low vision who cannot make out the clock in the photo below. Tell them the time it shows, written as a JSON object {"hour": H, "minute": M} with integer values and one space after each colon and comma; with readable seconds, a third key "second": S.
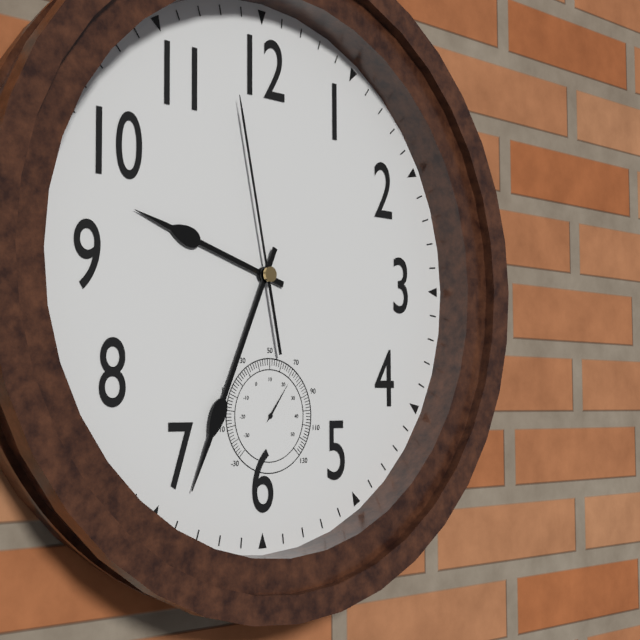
{"hour": 9, "minute": 34, "second": 58}
